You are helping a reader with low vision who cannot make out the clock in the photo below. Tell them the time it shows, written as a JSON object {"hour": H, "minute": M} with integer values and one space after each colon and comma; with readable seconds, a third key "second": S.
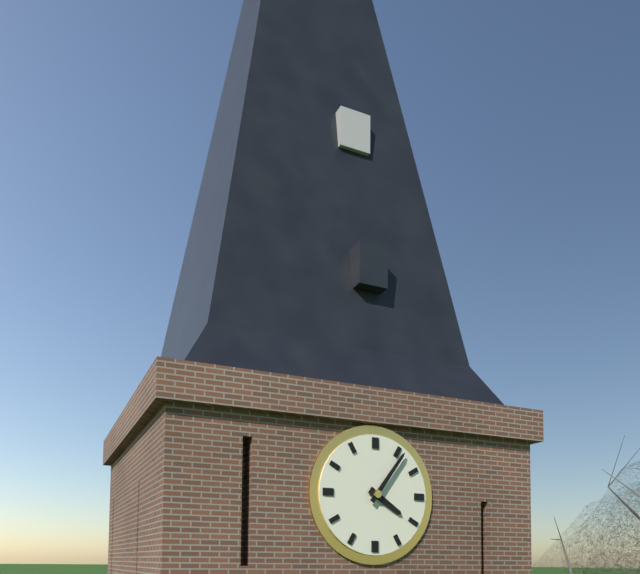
{"hour": 4, "minute": 6}
